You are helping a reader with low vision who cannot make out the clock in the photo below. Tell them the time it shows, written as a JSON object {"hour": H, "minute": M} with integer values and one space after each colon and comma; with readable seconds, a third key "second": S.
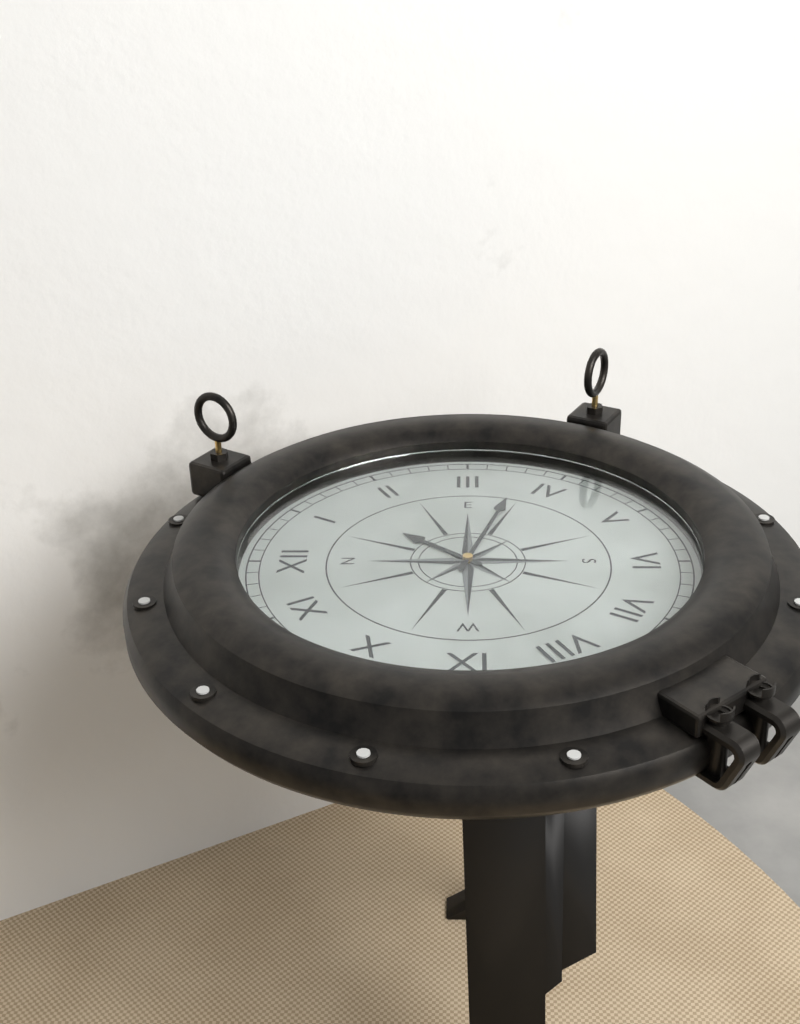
{"hour": 1, "minute": 18}
